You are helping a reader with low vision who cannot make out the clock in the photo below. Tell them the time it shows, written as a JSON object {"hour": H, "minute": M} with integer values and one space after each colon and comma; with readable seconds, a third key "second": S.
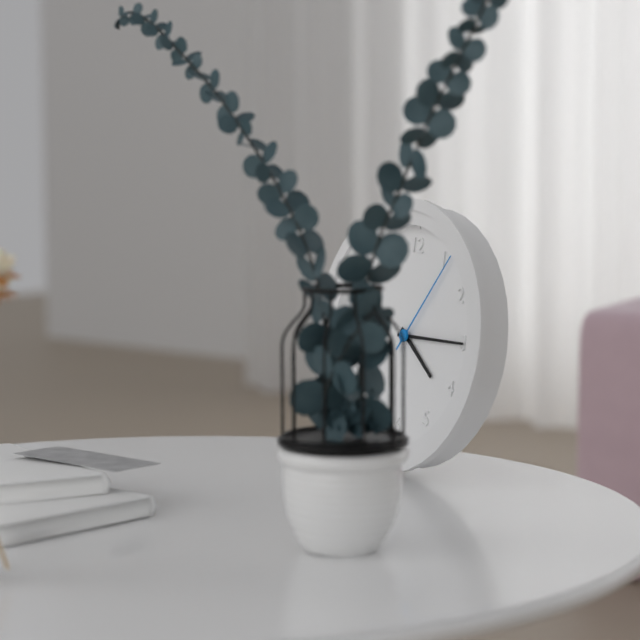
{"hour": 4, "minute": 15, "second": 6}
